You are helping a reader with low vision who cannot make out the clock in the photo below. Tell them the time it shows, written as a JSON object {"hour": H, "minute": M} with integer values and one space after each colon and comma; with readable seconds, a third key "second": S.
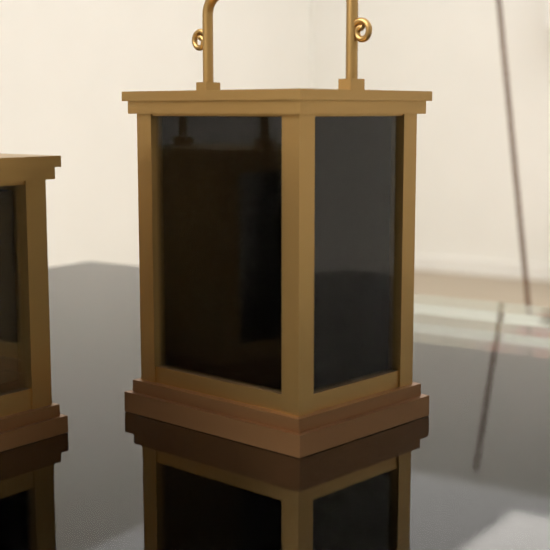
{"hour": 12, "minute": 3}
